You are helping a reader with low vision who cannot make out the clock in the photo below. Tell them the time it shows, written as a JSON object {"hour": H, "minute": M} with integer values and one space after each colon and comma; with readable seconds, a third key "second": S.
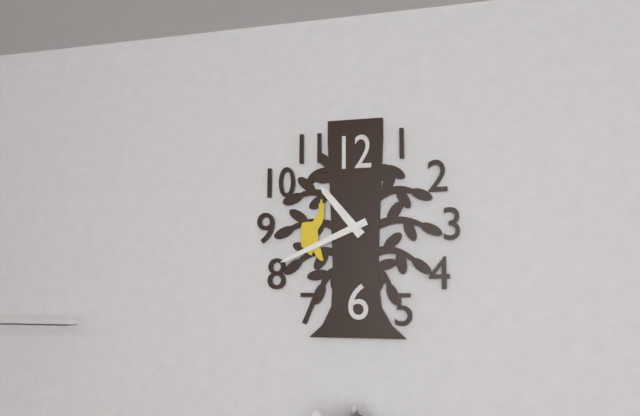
{"hour": 10, "minute": 41}
